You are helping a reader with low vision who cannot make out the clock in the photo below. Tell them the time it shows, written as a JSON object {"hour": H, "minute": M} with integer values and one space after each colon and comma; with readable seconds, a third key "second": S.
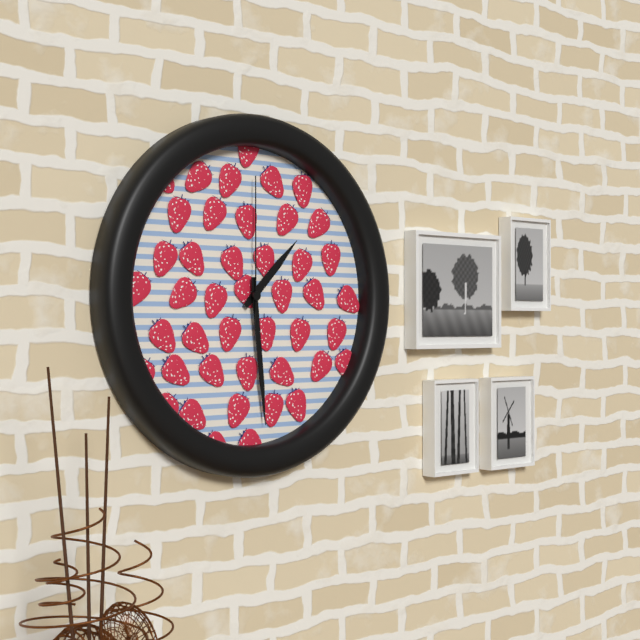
{"hour": 1, "minute": 29, "second": 0}
